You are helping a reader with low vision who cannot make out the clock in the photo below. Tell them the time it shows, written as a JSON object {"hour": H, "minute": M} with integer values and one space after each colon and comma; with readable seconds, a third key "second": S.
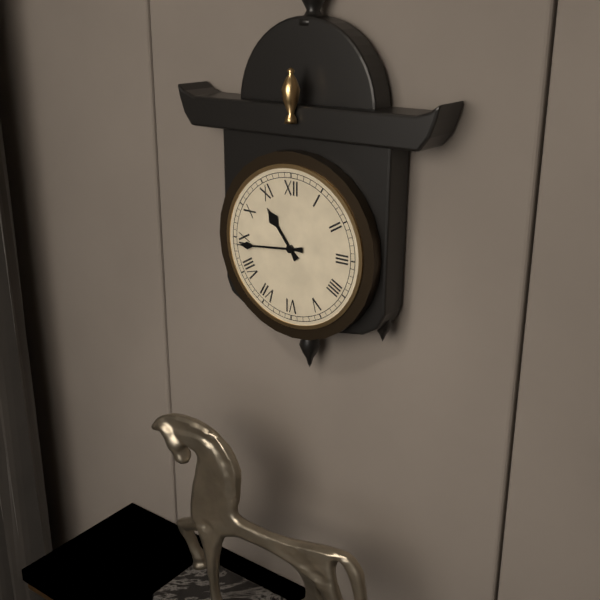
{"hour": 10, "minute": 44}
